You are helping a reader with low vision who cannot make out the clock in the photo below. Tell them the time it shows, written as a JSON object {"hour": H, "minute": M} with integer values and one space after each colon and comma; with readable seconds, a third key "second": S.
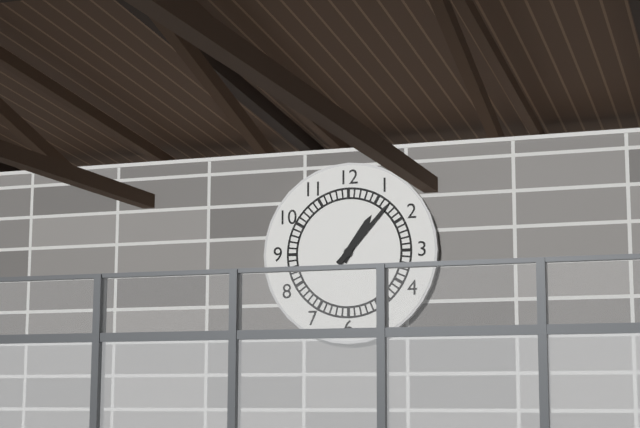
{"hour": 1, "minute": 7}
